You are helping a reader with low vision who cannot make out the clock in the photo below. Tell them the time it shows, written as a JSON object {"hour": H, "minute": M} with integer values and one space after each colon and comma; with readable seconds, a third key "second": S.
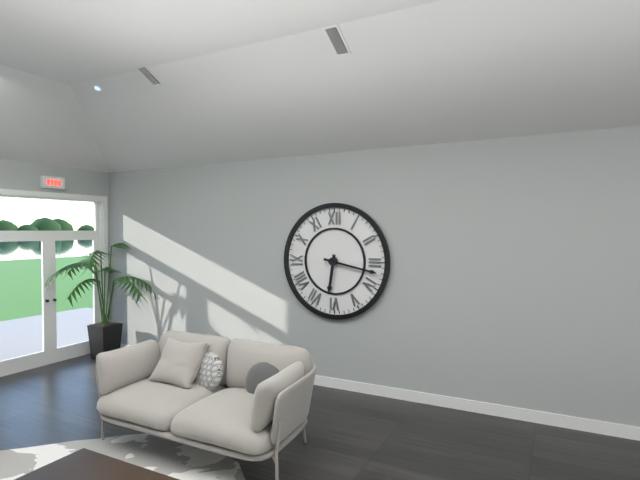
{"hour": 6, "minute": 17}
